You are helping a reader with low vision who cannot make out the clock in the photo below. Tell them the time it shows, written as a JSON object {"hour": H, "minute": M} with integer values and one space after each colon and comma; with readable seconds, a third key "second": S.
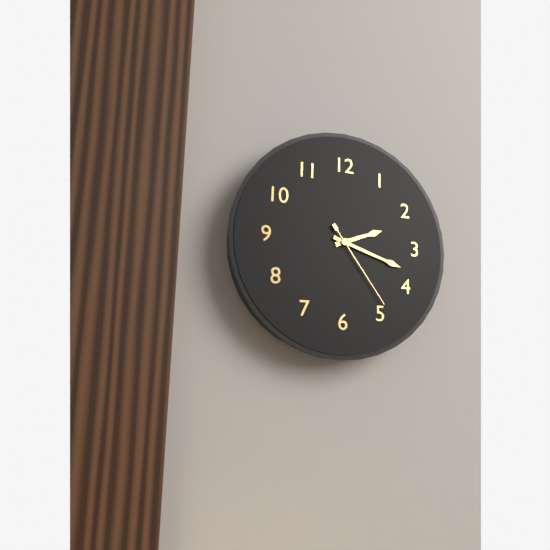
{"hour": 2, "minute": 18, "second": 24}
